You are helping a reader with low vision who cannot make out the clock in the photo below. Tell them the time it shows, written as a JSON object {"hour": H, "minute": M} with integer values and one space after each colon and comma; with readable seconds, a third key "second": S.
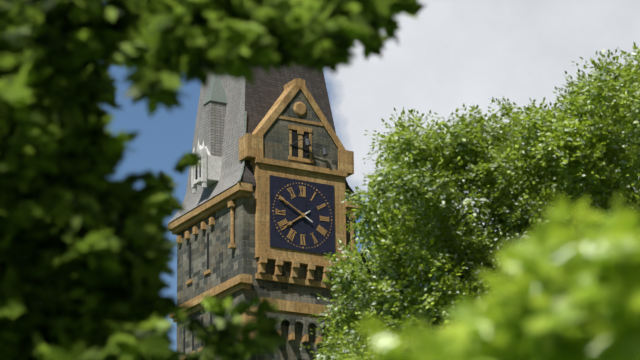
{"hour": 7, "minute": 50}
